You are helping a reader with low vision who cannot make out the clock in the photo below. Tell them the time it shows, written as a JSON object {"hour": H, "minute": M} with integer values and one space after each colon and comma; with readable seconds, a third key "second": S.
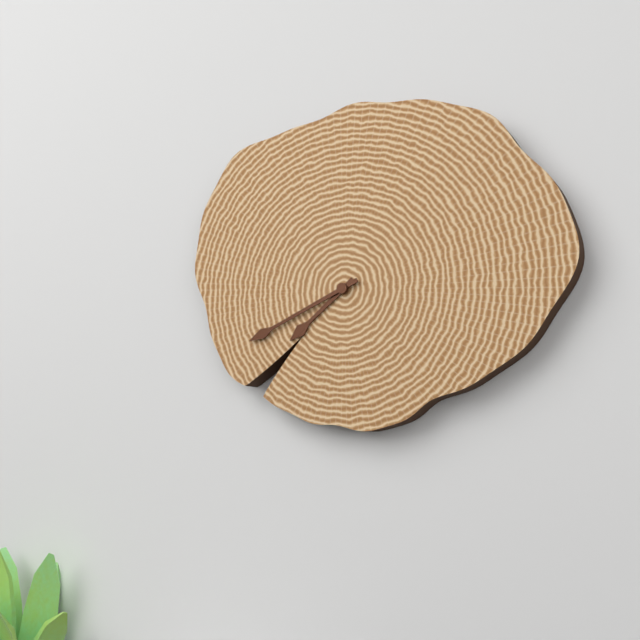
{"hour": 7, "minute": 41}
